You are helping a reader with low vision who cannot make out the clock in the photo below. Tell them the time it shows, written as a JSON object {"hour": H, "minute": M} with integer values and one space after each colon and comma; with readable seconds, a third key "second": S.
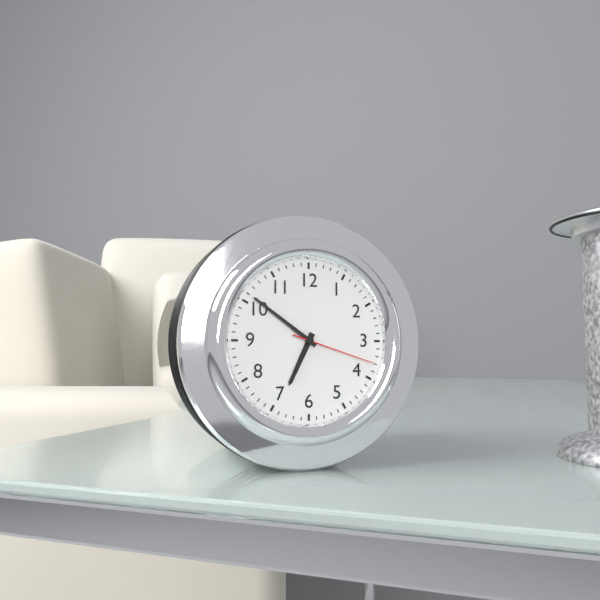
{"hour": 6, "minute": 51, "second": 18}
